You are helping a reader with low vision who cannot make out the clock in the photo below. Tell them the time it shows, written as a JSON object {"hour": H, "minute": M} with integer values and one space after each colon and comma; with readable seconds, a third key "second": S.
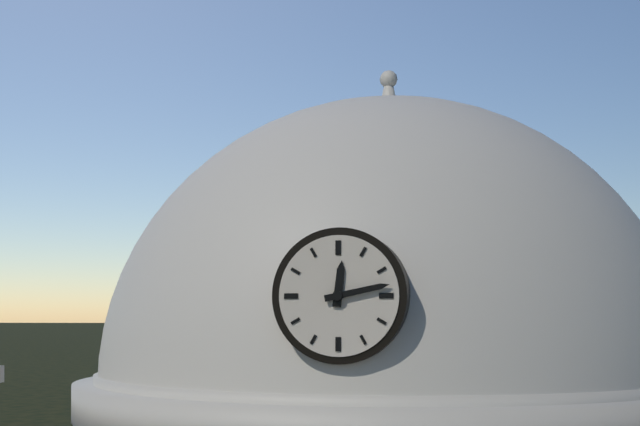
{"hour": 12, "minute": 13}
